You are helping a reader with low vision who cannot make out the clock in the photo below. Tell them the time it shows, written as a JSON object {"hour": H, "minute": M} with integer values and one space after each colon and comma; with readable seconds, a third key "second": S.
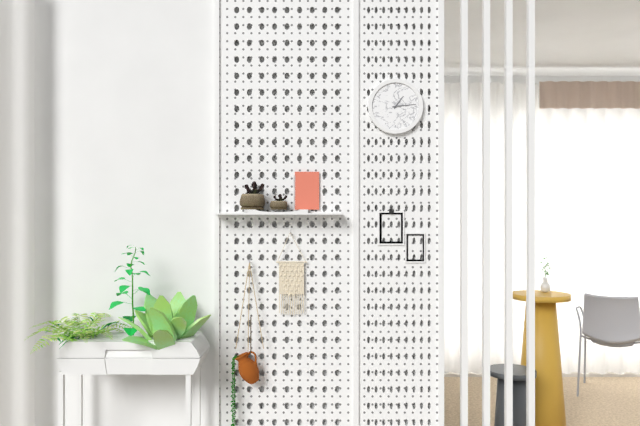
{"hour": 1, "minute": 14}
